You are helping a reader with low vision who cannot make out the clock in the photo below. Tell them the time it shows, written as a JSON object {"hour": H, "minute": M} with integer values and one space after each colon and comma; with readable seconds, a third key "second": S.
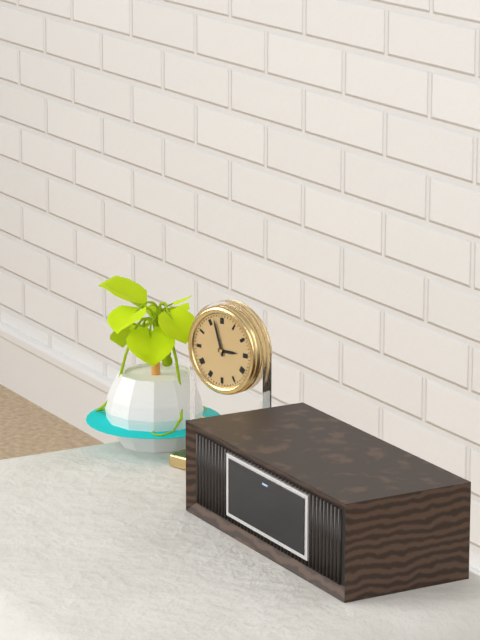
{"hour": 2, "minute": 57}
